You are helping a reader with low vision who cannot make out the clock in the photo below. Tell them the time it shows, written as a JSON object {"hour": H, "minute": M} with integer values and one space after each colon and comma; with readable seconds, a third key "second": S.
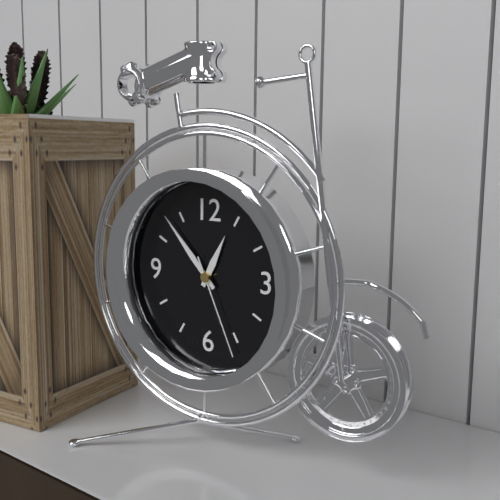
{"hour": 12, "minute": 53, "second": 26}
